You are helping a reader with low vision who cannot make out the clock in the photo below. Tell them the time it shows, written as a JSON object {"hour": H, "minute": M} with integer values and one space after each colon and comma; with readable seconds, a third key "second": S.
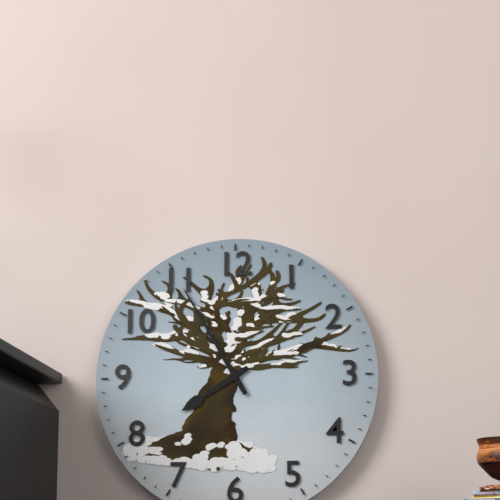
{"hour": 7, "minute": 55}
